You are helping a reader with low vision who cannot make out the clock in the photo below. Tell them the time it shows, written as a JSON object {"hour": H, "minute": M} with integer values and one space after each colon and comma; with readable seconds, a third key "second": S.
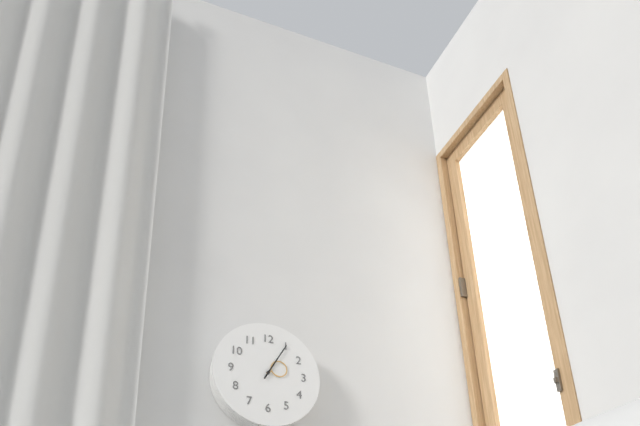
{"hour": 2, "minute": 5}
